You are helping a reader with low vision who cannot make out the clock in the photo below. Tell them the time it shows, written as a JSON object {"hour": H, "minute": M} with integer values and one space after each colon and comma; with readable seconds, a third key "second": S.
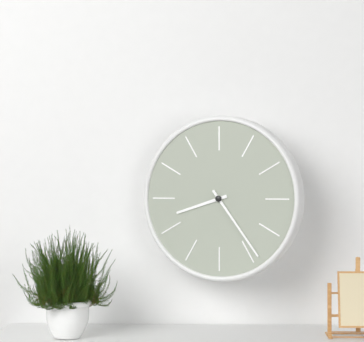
{"hour": 8, "minute": 24}
